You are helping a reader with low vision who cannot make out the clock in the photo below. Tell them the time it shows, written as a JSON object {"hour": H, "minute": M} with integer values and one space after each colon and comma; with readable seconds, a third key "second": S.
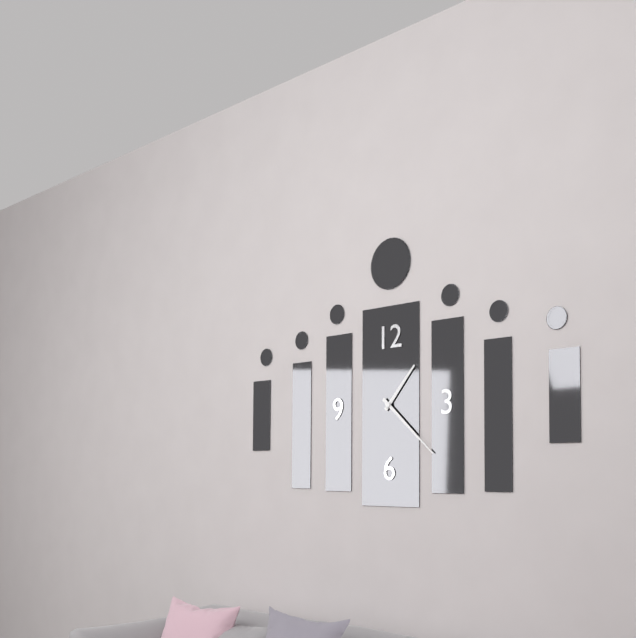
{"hour": 1, "minute": 22}
